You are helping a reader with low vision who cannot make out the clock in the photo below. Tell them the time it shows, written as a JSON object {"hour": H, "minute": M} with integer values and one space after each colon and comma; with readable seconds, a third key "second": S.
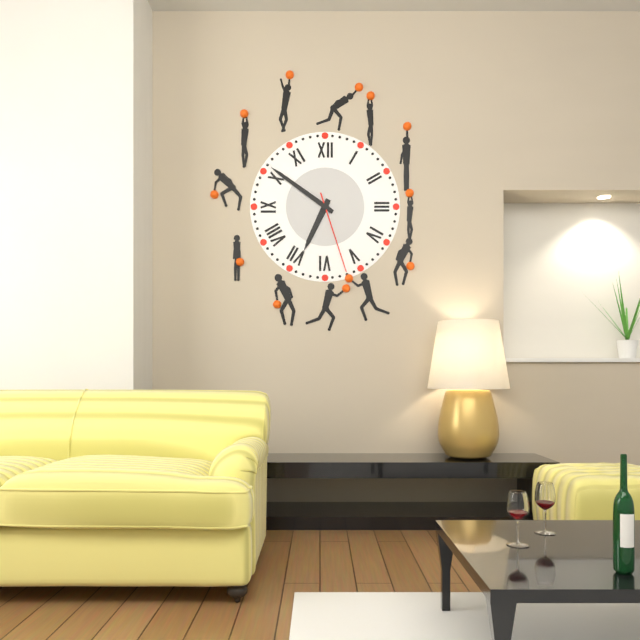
{"hour": 6, "minute": 51, "second": 27}
